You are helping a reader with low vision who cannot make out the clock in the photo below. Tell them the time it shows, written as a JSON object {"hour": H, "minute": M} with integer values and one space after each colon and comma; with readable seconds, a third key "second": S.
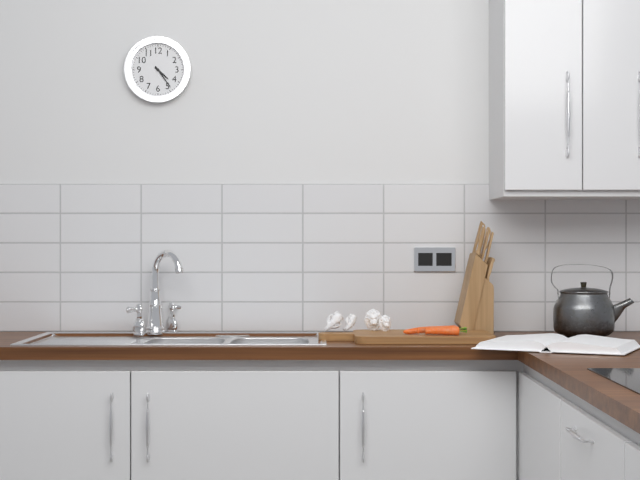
{"hour": 4, "minute": 24}
